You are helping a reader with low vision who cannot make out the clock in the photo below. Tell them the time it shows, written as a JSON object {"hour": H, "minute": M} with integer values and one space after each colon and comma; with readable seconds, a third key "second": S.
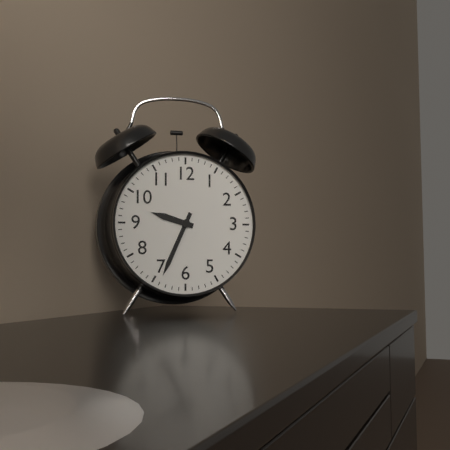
{"hour": 9, "minute": 34}
